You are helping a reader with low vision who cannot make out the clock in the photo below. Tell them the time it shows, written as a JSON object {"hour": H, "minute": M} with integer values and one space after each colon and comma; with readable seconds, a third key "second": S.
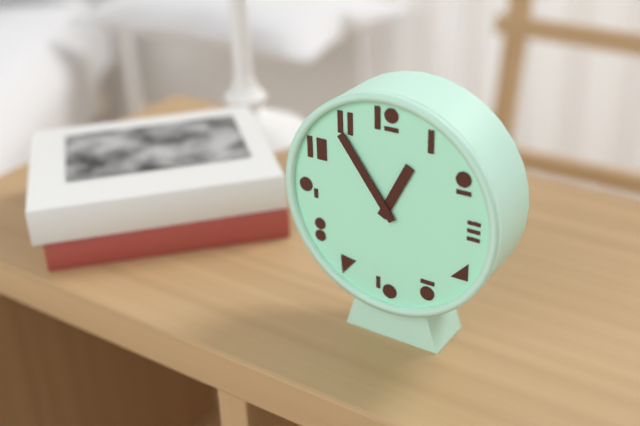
{"hour": 12, "minute": 54}
